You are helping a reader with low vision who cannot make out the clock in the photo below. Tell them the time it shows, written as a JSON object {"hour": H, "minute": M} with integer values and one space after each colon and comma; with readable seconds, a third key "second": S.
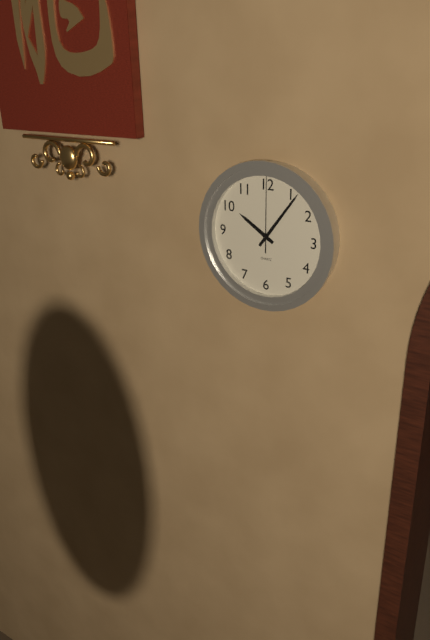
{"hour": 10, "minute": 6, "second": 0}
